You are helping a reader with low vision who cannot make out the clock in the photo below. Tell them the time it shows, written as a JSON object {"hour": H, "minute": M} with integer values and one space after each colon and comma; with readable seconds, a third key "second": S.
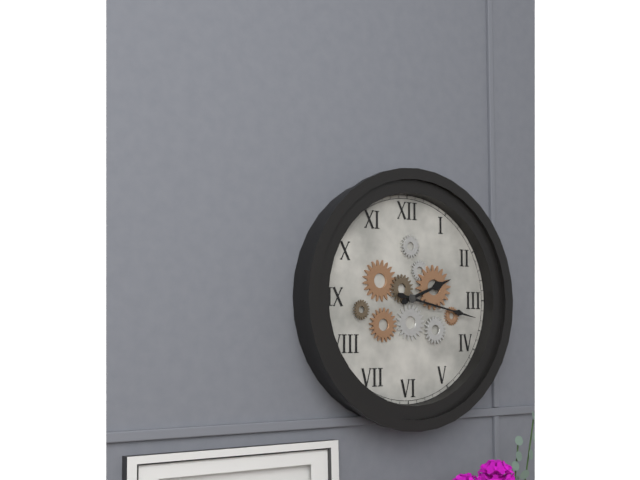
{"hour": 2, "minute": 17}
